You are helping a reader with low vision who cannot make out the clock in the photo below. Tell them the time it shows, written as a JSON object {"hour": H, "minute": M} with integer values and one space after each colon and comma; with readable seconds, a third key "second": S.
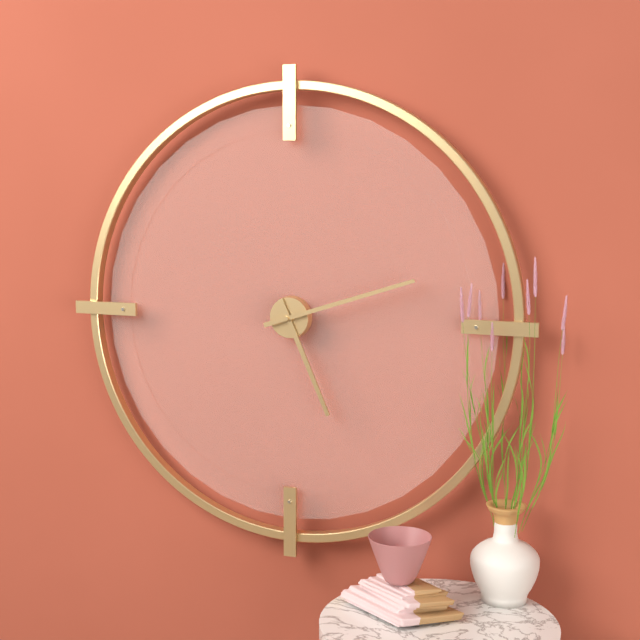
{"hour": 5, "minute": 12}
